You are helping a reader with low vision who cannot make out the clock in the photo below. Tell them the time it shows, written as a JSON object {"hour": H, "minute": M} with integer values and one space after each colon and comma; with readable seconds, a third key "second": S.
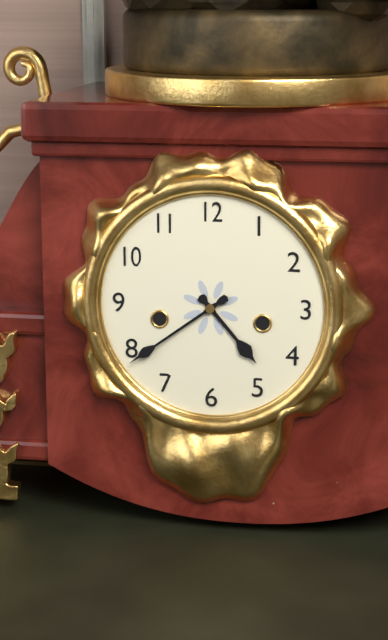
{"hour": 4, "minute": 39}
